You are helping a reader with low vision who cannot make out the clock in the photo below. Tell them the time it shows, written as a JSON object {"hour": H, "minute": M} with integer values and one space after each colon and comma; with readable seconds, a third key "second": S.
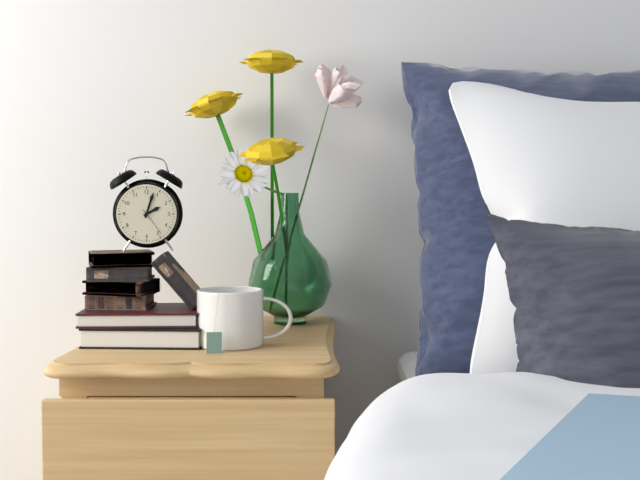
{"hour": 2, "minute": 3}
